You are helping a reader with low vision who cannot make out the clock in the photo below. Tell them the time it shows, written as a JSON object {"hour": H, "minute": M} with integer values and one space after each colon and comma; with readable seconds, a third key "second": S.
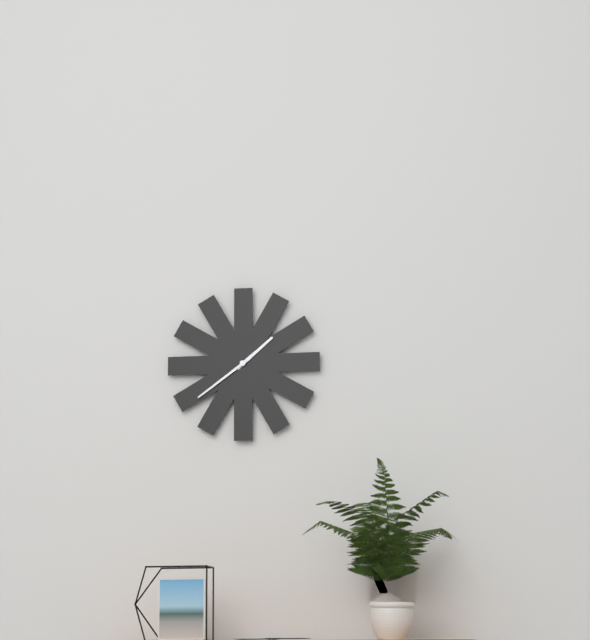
{"hour": 1, "minute": 39}
